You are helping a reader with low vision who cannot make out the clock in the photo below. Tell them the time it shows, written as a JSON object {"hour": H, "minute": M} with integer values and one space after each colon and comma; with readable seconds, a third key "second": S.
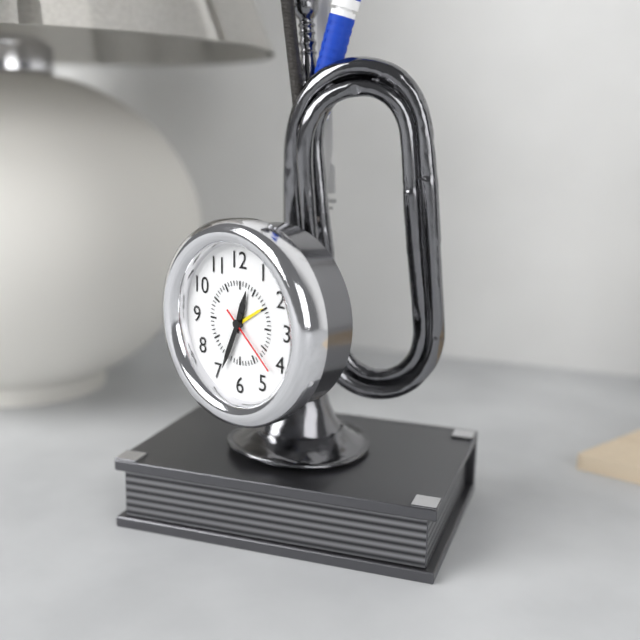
{"hour": 12, "minute": 34, "second": 22}
